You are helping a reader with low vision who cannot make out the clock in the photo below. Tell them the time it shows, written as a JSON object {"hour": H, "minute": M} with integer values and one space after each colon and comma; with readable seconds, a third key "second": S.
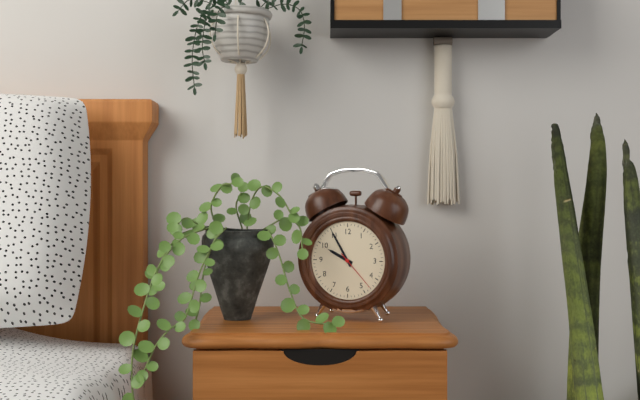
{"hour": 9, "minute": 55}
